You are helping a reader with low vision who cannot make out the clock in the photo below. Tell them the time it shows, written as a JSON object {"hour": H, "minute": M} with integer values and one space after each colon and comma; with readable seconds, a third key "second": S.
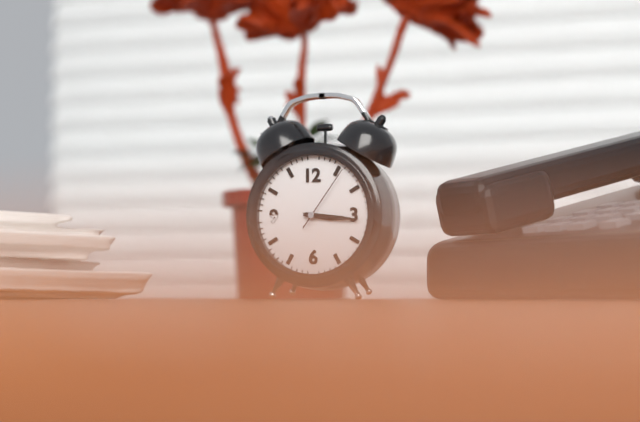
{"hour": 3, "minute": 16, "second": 6}
